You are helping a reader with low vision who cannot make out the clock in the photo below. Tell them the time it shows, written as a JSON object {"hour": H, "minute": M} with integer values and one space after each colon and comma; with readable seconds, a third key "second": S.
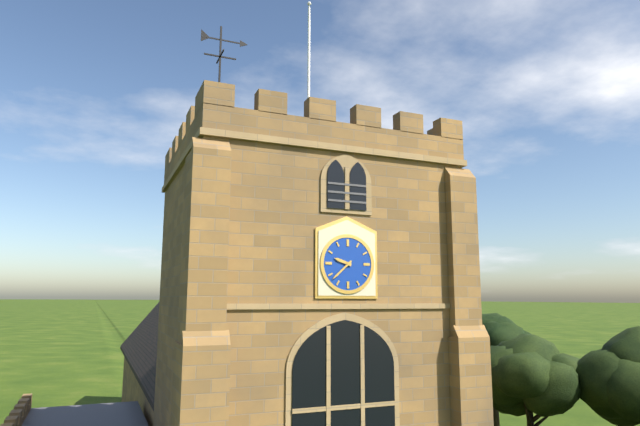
{"hour": 9, "minute": 38}
